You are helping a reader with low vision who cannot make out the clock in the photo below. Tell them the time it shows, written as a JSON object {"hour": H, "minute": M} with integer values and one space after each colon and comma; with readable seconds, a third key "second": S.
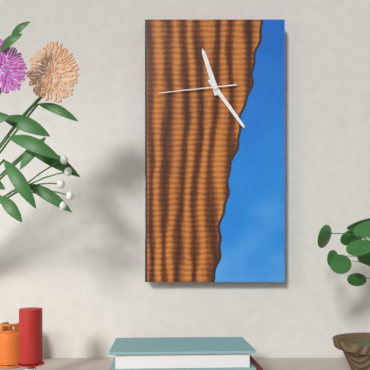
{"hour": 11, "minute": 24, "second": 44}
